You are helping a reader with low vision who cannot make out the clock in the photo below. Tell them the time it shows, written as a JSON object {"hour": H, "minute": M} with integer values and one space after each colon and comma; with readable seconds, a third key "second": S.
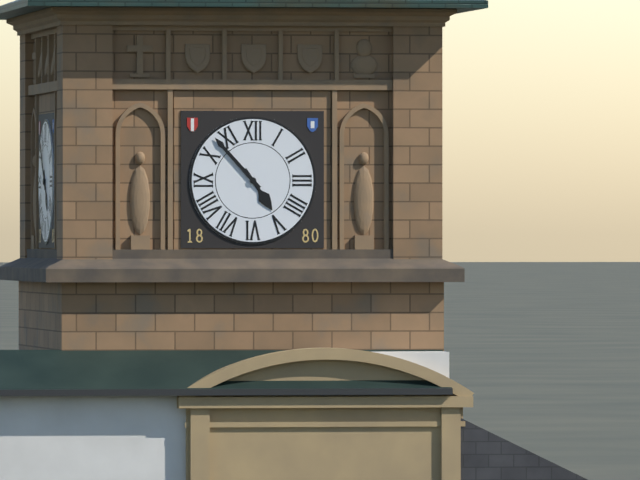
{"hour": 4, "minute": 53}
